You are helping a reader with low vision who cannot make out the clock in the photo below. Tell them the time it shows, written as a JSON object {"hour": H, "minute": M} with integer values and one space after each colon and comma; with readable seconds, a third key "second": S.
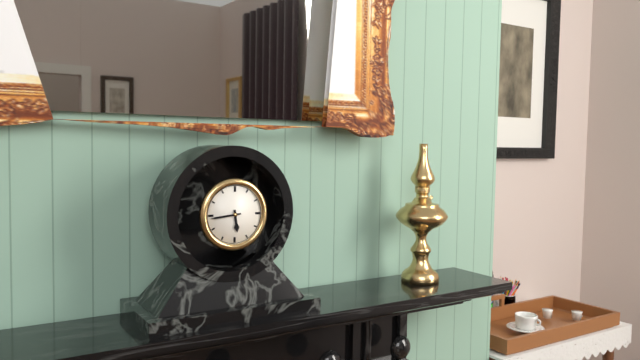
{"hour": 5, "minute": 44}
